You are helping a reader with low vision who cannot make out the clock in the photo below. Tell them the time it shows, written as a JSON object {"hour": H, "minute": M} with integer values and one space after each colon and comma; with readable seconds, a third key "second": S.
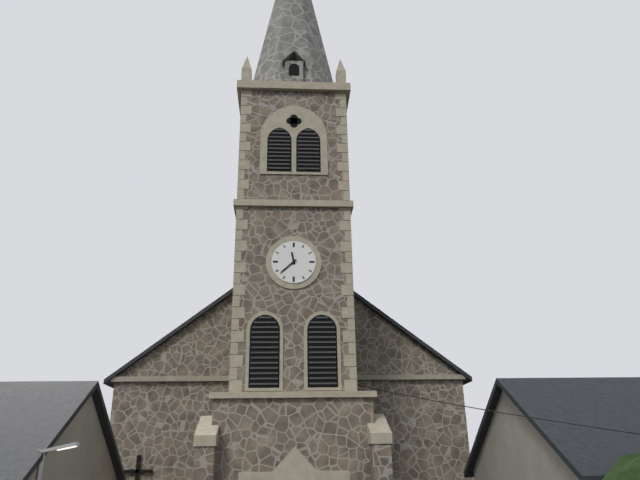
{"hour": 11, "minute": 38}
